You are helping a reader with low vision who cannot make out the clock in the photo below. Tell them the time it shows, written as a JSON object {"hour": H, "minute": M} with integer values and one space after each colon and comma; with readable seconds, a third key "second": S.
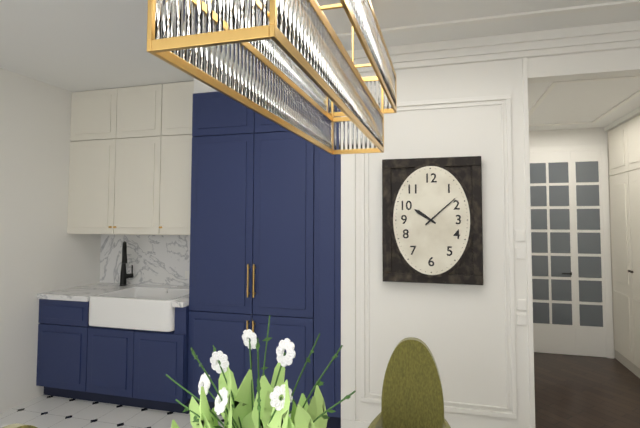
{"hour": 10, "minute": 8}
